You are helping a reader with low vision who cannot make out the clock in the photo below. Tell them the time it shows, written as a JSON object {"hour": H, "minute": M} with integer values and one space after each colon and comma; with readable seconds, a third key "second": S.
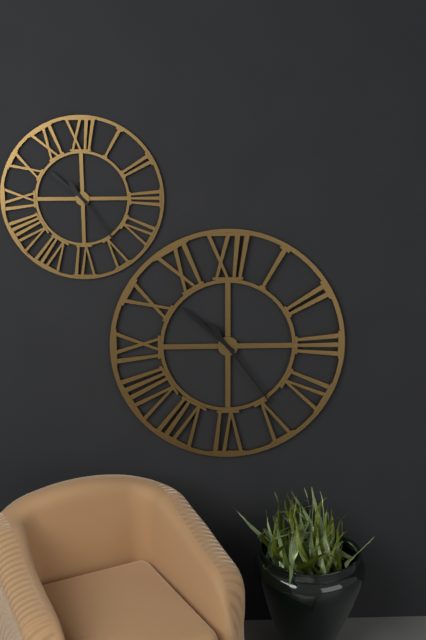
{"hour": 10, "minute": 24}
